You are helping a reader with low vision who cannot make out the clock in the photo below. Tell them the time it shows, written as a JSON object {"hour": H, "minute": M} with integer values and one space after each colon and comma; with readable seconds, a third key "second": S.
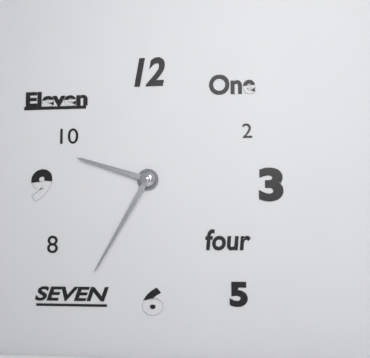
{"hour": 9, "minute": 35}
